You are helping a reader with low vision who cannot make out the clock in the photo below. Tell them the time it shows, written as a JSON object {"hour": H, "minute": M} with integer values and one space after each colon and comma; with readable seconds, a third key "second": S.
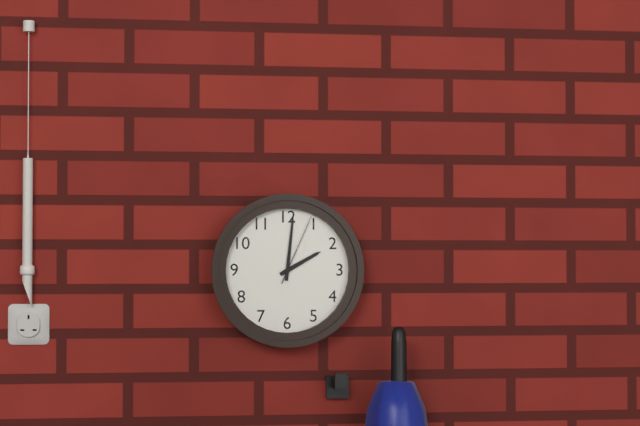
{"hour": 2, "minute": 1, "second": 4}
